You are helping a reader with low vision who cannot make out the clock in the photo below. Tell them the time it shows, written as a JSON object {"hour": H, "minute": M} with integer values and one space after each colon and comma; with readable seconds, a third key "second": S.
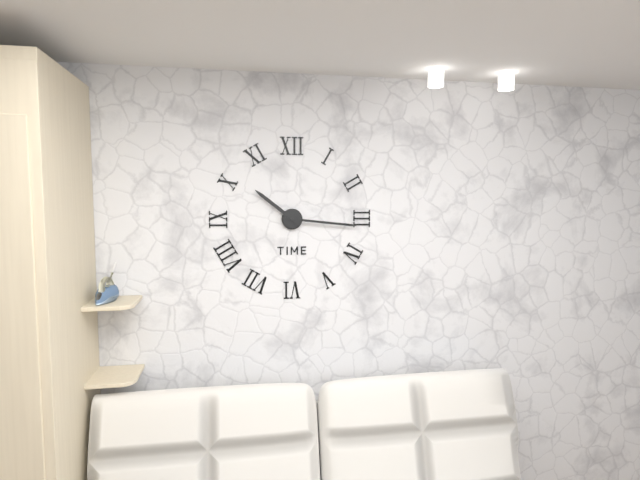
{"hour": 10, "minute": 16}
